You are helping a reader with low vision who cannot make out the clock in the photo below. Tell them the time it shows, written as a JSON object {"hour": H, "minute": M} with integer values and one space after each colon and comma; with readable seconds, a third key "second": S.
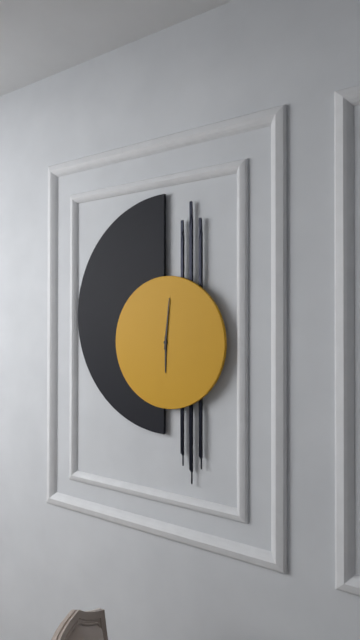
{"hour": 6, "minute": 1}
